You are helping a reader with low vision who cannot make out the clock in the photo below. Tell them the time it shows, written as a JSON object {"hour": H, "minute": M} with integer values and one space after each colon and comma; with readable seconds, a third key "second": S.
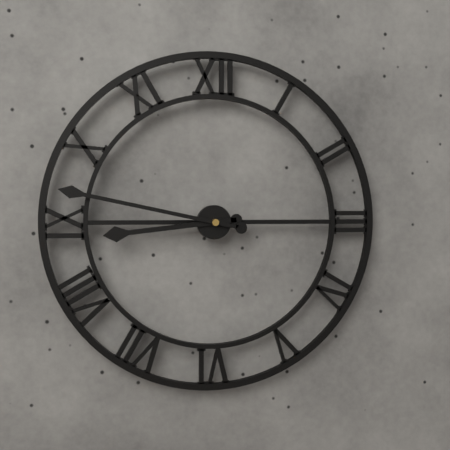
{"hour": 8, "minute": 47}
